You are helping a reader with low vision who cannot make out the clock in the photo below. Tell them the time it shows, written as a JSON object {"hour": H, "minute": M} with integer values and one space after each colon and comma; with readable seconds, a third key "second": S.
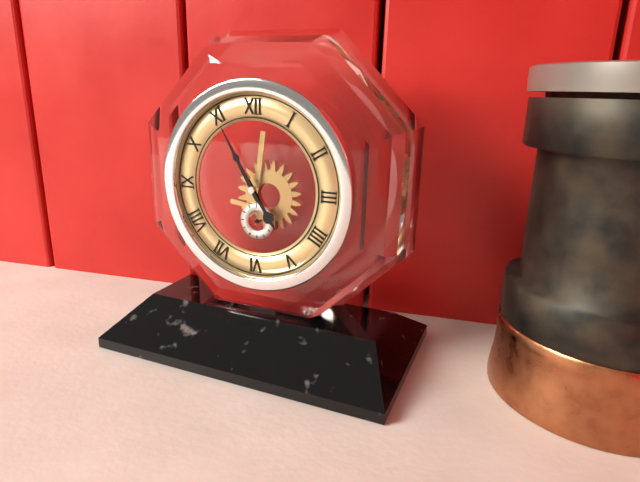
{"hour": 4, "minute": 55}
